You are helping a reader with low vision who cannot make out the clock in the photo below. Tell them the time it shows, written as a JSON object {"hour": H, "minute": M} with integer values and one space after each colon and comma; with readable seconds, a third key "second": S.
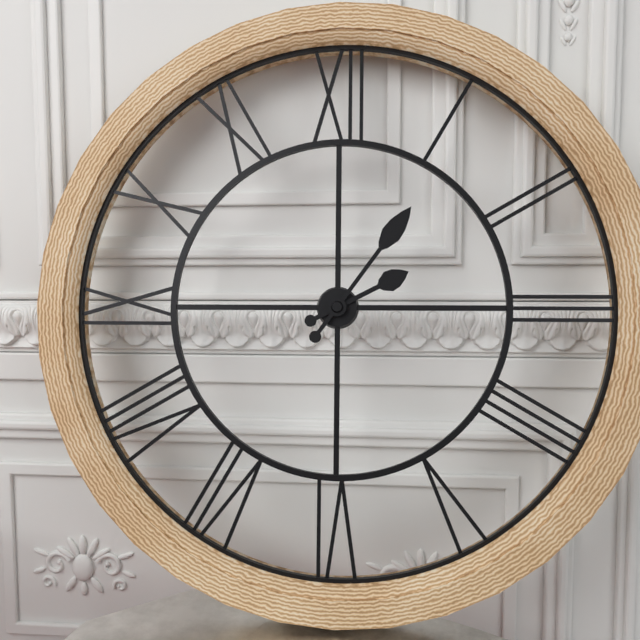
{"hour": 2, "minute": 6}
